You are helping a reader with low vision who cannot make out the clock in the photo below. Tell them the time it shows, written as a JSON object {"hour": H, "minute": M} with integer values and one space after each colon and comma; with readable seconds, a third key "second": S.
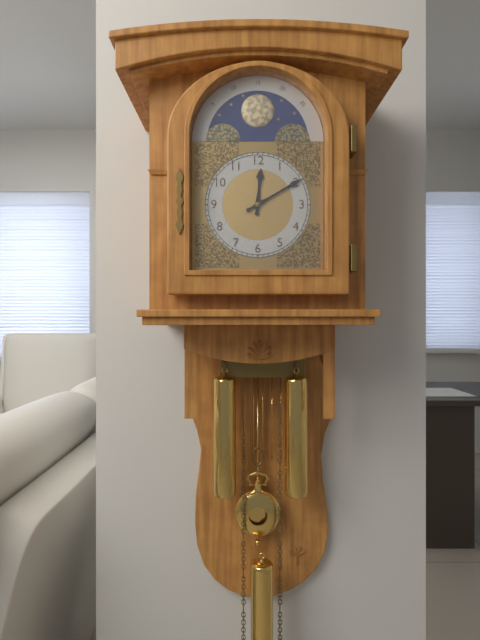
{"hour": 12, "minute": 10}
